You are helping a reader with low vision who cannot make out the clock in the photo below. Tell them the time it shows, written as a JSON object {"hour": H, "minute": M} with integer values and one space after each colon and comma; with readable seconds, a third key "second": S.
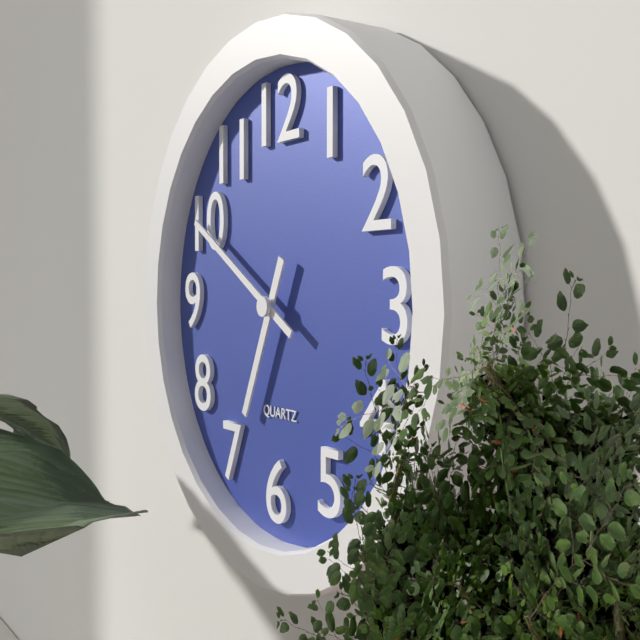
{"hour": 6, "minute": 50}
